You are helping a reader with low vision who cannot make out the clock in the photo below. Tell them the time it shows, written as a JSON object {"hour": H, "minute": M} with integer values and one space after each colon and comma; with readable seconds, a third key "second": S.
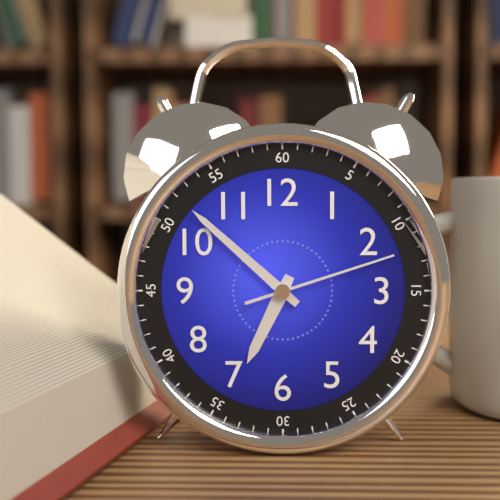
{"hour": 6, "minute": 52, "second": 12}
